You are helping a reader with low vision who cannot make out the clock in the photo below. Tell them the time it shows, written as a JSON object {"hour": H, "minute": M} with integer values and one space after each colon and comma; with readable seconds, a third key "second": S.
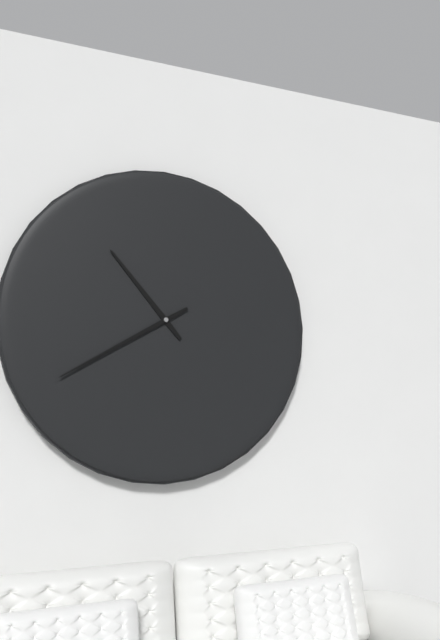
{"hour": 10, "minute": 40}
